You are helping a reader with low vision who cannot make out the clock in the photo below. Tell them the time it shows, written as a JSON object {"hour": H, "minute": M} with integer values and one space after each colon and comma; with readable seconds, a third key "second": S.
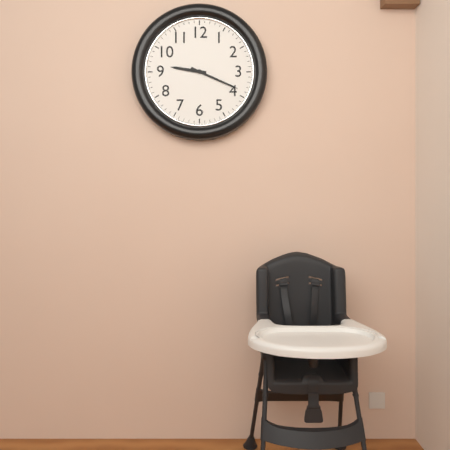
{"hour": 9, "minute": 19}
